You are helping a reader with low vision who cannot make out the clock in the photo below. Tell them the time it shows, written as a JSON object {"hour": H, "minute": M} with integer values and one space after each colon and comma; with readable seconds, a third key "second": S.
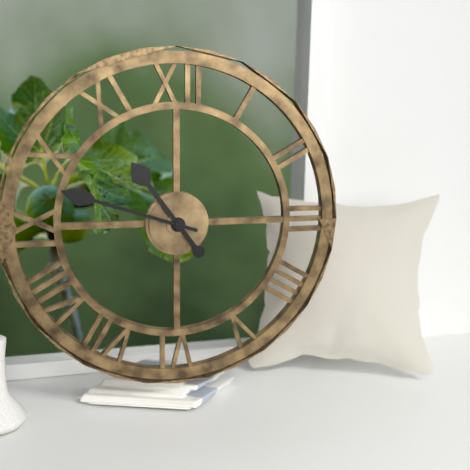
{"hour": 10, "minute": 48}
